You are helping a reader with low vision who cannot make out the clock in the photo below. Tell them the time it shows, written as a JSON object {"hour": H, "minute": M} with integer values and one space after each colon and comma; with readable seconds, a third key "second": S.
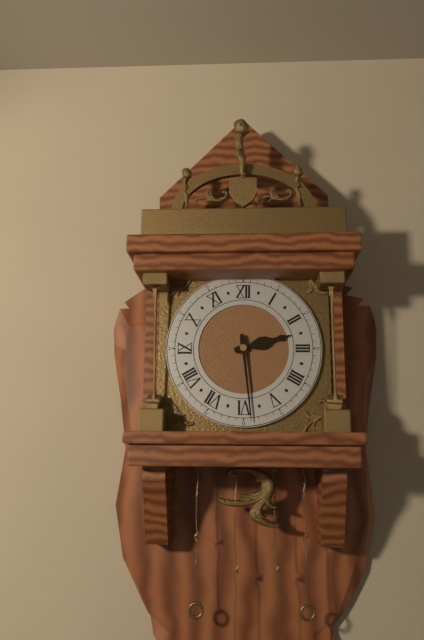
{"hour": 2, "minute": 29}
